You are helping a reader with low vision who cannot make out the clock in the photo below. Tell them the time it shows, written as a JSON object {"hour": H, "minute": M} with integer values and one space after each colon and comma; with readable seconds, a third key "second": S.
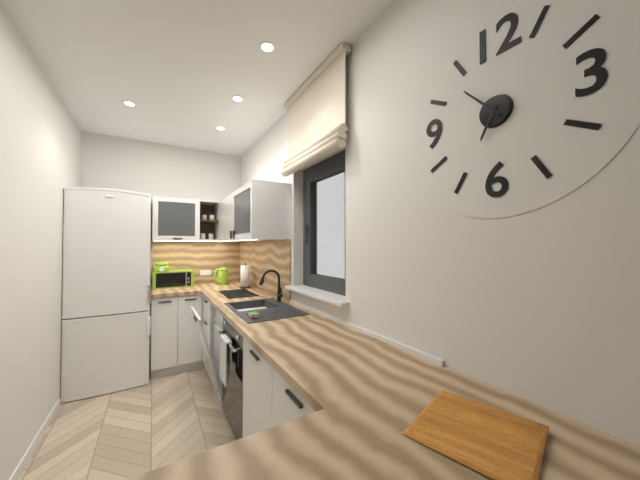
{"hour": 6, "minute": 53}
